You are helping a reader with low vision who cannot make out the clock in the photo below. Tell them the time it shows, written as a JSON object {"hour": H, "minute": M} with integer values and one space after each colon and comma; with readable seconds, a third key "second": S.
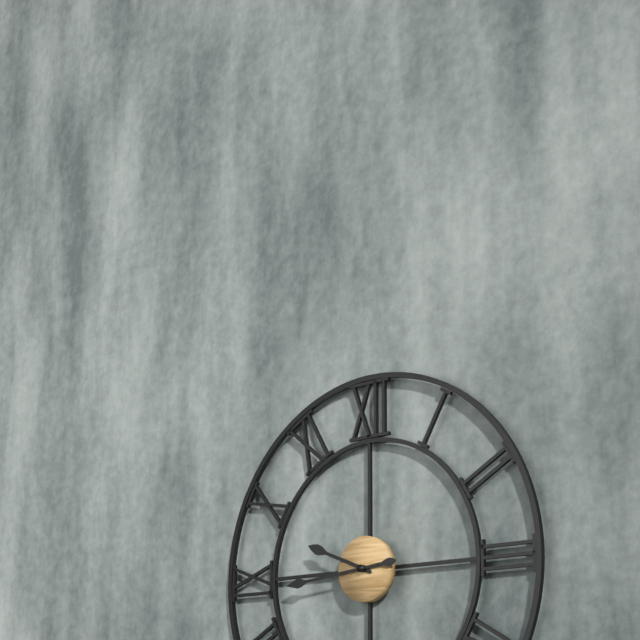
{"hour": 9, "minute": 44}
